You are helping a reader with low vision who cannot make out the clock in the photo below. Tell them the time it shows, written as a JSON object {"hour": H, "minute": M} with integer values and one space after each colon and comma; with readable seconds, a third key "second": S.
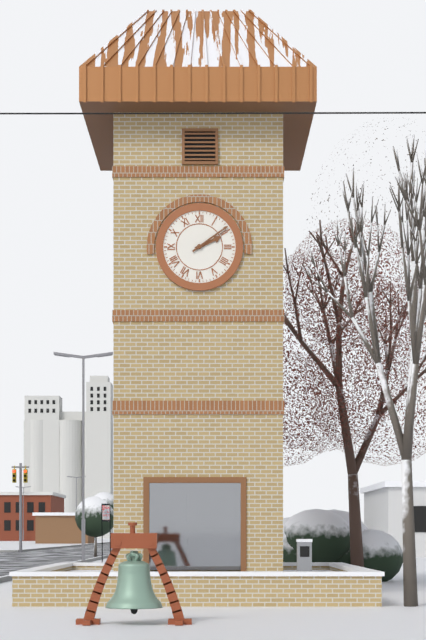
{"hour": 2, "minute": 9}
